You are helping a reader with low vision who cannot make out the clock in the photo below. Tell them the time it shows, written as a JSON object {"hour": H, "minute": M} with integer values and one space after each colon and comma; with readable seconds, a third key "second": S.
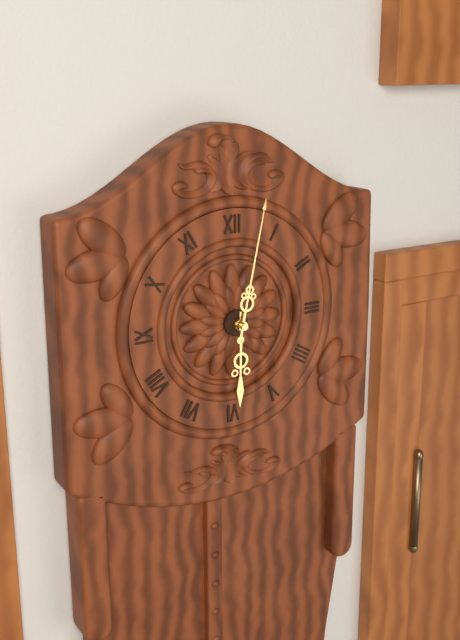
{"hour": 6, "minute": 2}
